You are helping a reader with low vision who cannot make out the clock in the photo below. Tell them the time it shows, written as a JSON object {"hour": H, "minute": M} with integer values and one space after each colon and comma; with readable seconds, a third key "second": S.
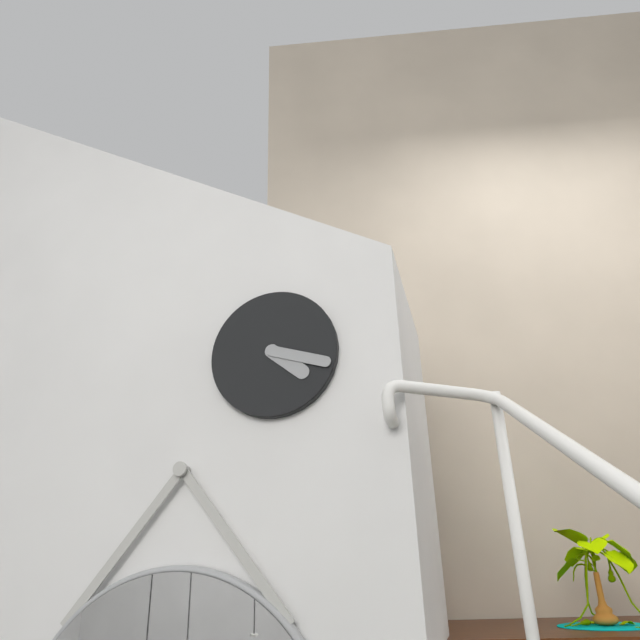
{"hour": 4, "minute": 18}
